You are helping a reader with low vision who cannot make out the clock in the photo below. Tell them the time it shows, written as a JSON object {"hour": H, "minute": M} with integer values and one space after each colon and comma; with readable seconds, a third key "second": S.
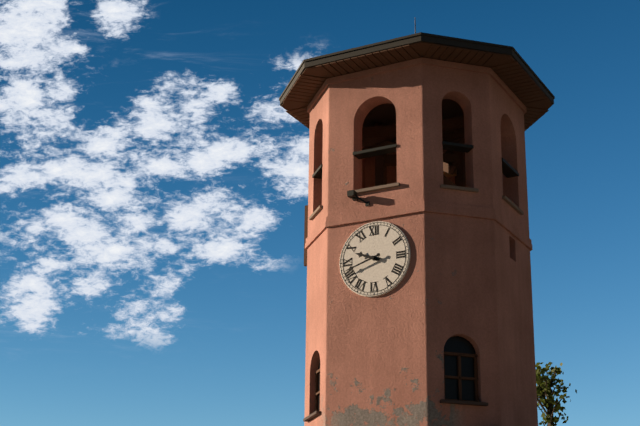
{"hour": 9, "minute": 42}
